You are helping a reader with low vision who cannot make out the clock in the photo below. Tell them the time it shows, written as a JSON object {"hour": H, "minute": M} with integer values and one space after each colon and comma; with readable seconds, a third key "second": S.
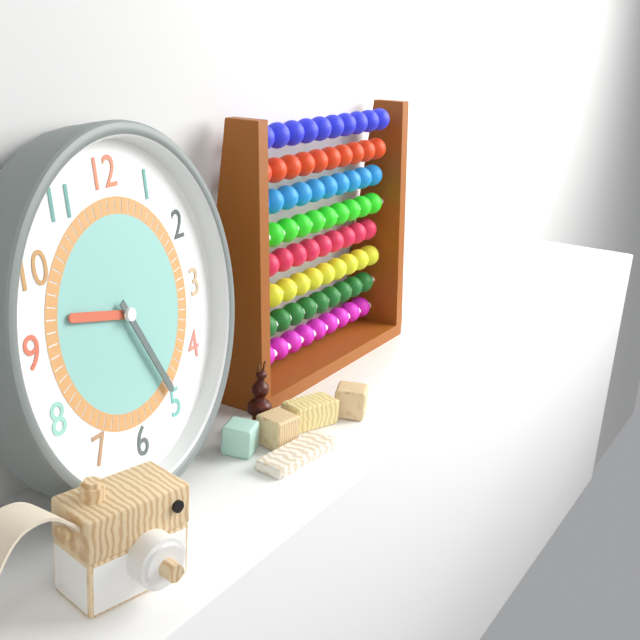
{"hour": 9, "minute": 25}
